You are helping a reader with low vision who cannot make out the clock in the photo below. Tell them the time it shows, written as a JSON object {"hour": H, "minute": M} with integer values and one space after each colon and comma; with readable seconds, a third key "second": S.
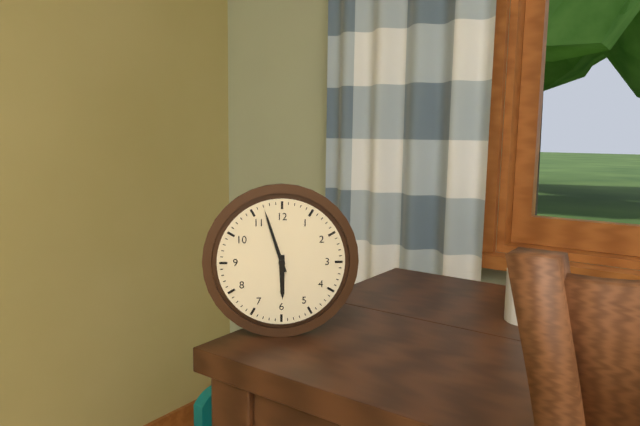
{"hour": 5, "minute": 57}
